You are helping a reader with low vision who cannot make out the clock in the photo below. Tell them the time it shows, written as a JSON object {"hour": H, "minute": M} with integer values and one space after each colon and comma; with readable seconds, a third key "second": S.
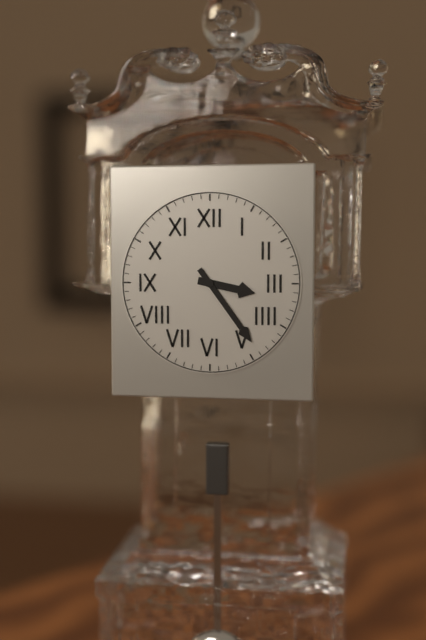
{"hour": 3, "minute": 24}
